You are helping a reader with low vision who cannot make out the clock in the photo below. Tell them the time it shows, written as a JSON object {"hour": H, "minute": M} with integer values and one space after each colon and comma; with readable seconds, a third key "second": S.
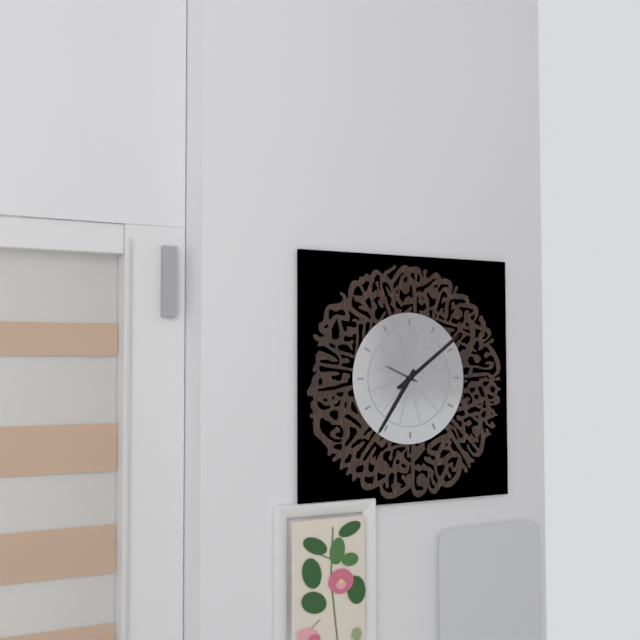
{"hour": 7, "minute": 9}
